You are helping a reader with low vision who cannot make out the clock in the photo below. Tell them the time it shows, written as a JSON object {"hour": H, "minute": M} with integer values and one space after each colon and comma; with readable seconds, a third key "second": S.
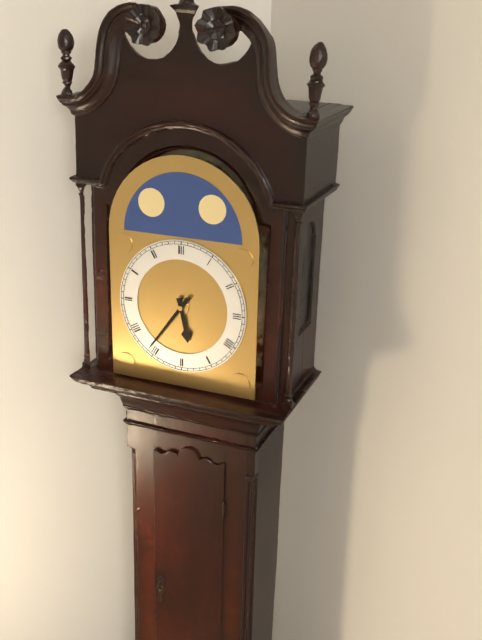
{"hour": 5, "minute": 36}
